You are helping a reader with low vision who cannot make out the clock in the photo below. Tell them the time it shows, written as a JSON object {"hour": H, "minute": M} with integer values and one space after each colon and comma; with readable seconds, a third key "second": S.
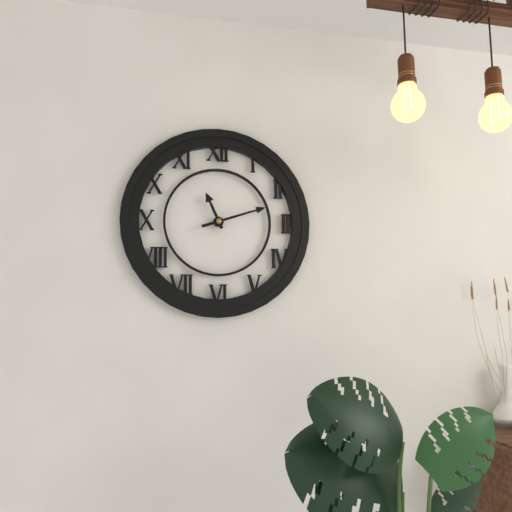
{"hour": 11, "minute": 12}
